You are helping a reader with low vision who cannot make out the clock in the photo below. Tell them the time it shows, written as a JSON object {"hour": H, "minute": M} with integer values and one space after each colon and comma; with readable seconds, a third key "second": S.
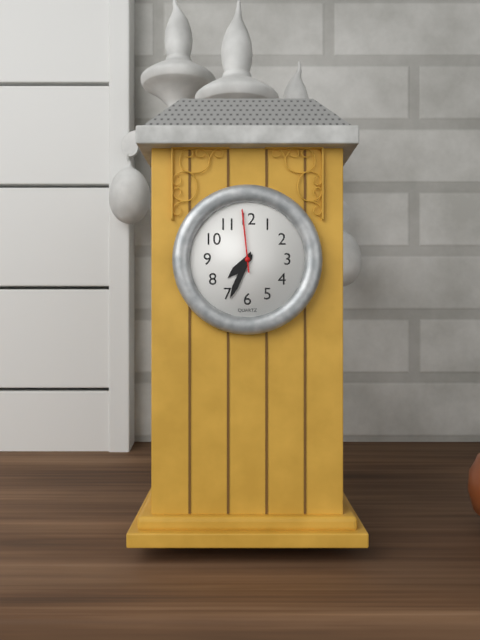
{"hour": 7, "minute": 34, "second": 59}
